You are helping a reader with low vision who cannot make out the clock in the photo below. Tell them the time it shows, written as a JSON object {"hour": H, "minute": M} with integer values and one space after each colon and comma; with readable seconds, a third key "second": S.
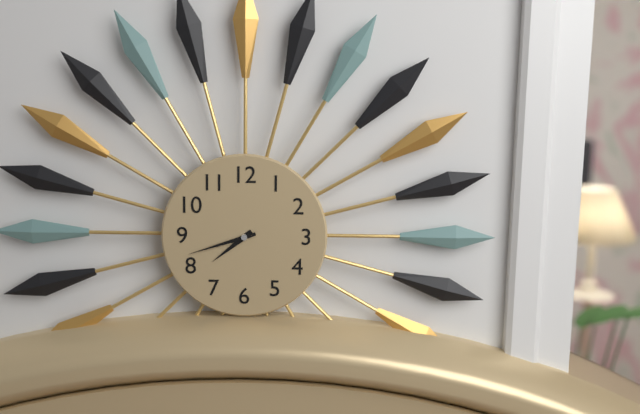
{"hour": 7, "minute": 42}
